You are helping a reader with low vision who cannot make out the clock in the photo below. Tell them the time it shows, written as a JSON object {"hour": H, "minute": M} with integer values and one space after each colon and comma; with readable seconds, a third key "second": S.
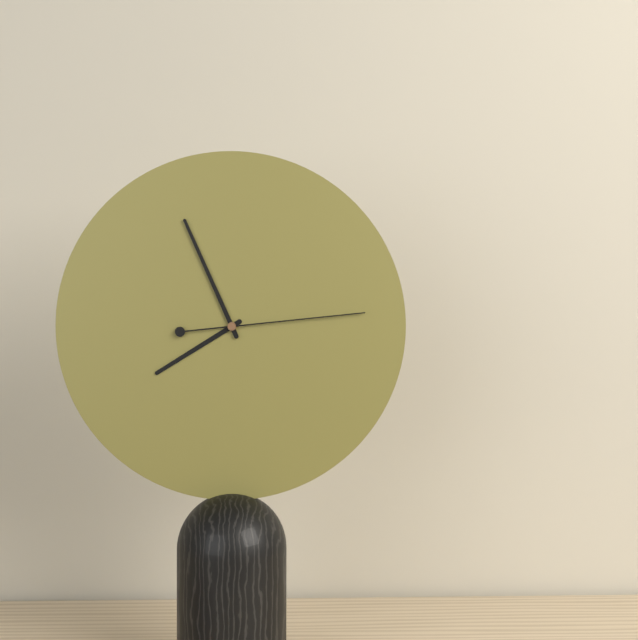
{"hour": 7, "minute": 56, "second": 14}
